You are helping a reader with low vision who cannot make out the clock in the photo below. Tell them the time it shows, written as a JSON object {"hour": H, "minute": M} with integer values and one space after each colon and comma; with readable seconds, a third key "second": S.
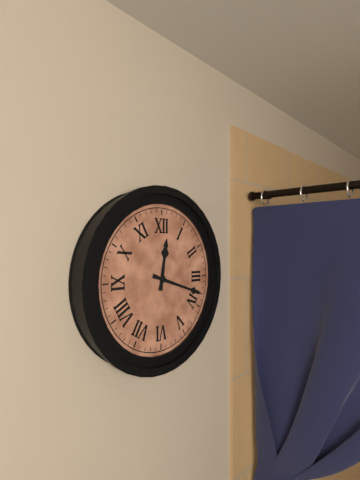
{"hour": 12, "minute": 18}
